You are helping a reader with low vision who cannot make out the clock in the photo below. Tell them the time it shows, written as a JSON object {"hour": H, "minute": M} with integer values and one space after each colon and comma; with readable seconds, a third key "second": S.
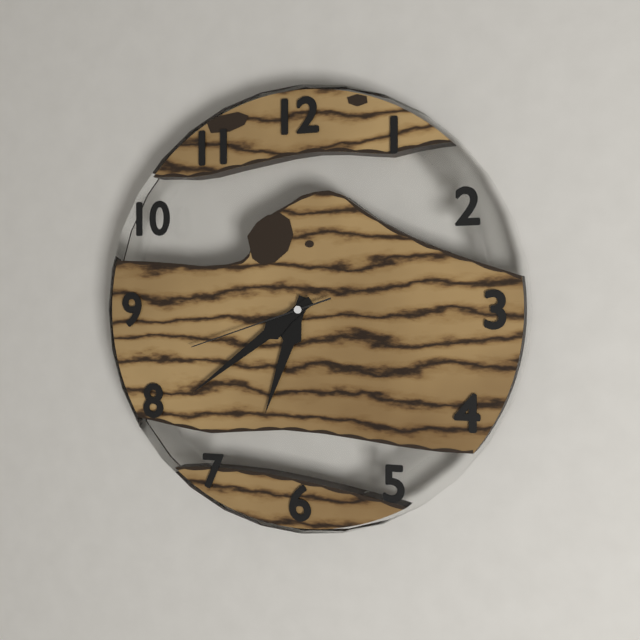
{"hour": 6, "minute": 39, "second": 42}
